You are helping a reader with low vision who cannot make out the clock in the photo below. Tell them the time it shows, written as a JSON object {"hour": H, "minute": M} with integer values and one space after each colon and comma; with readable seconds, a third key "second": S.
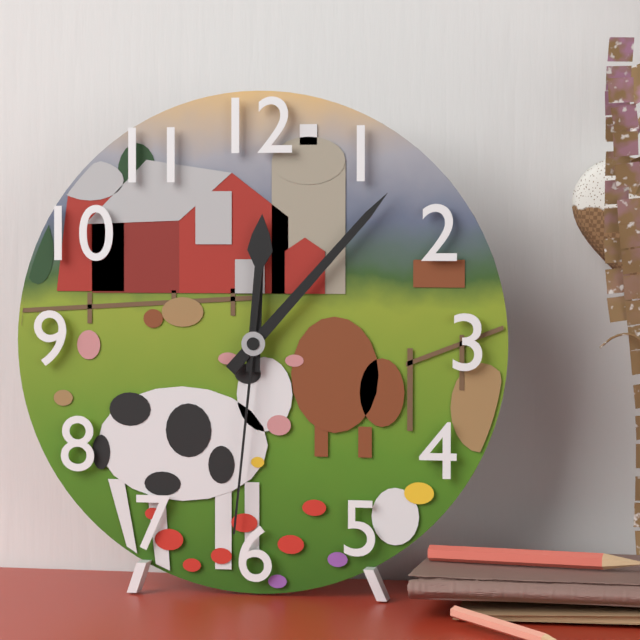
{"hour": 12, "minute": 7, "second": 31}
